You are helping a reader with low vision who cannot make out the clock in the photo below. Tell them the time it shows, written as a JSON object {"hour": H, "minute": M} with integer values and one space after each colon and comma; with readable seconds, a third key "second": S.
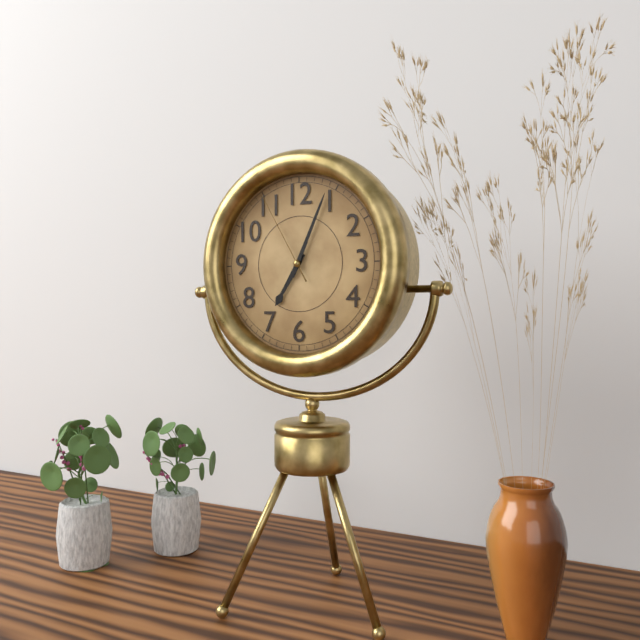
{"hour": 7, "minute": 4, "second": 55}
